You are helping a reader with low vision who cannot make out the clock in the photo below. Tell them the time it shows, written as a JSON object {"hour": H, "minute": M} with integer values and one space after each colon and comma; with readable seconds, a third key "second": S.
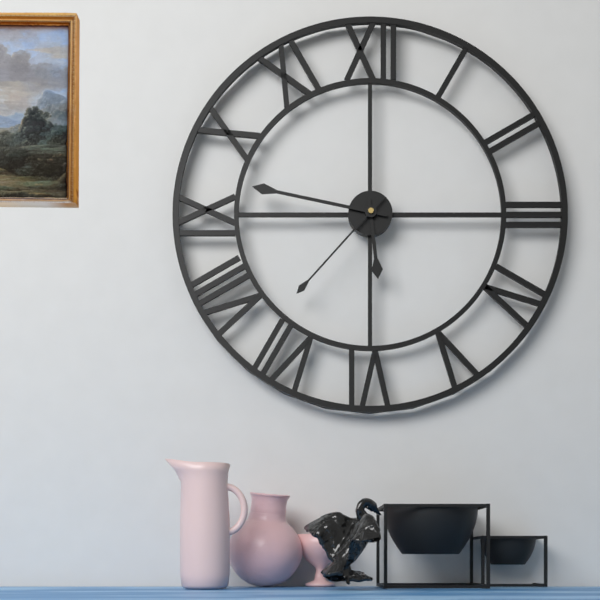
{"hour": 5, "minute": 47, "second": 37}
